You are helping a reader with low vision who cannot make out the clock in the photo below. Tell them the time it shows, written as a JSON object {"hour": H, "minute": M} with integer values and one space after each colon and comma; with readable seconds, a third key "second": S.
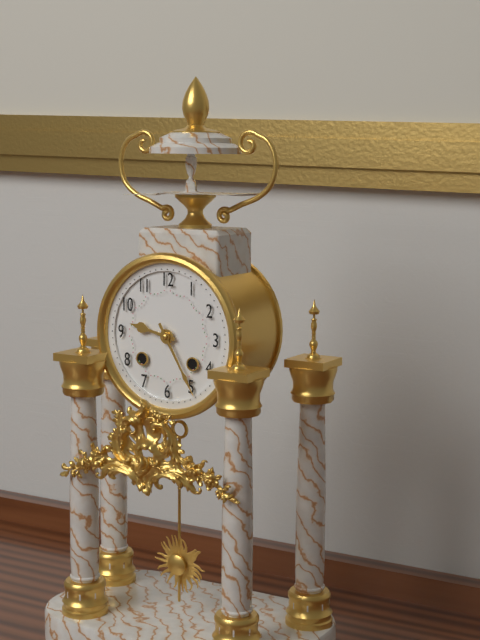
{"hour": 9, "minute": 25}
